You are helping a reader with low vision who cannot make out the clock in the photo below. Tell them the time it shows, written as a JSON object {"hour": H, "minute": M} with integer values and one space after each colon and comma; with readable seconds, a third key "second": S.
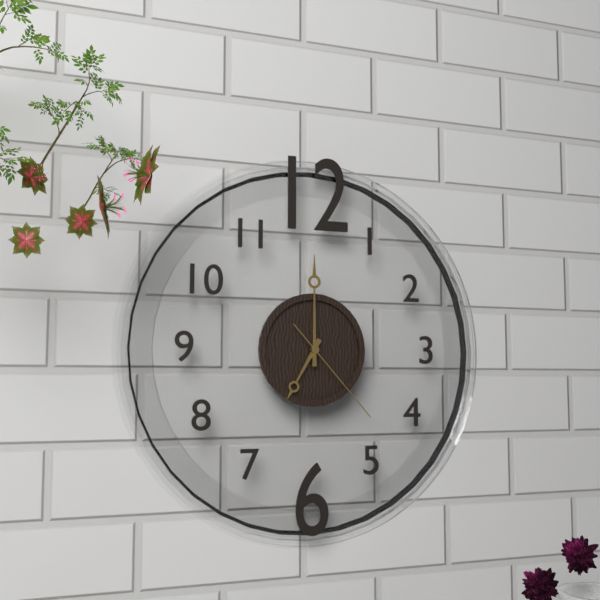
{"hour": 7, "minute": 0, "second": 23}
